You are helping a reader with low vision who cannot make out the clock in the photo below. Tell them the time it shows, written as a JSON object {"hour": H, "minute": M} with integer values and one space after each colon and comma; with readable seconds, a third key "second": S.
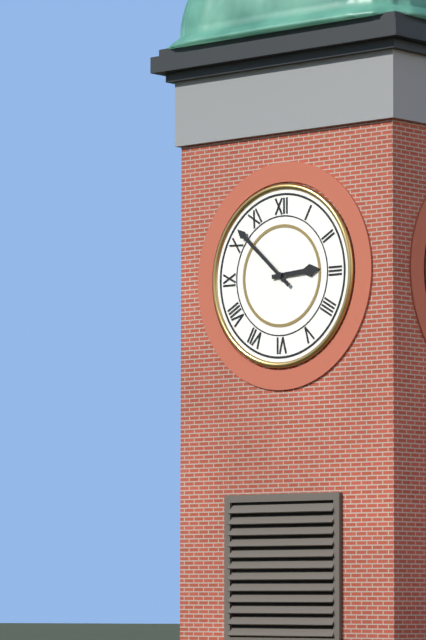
{"hour": 2, "minute": 52}
